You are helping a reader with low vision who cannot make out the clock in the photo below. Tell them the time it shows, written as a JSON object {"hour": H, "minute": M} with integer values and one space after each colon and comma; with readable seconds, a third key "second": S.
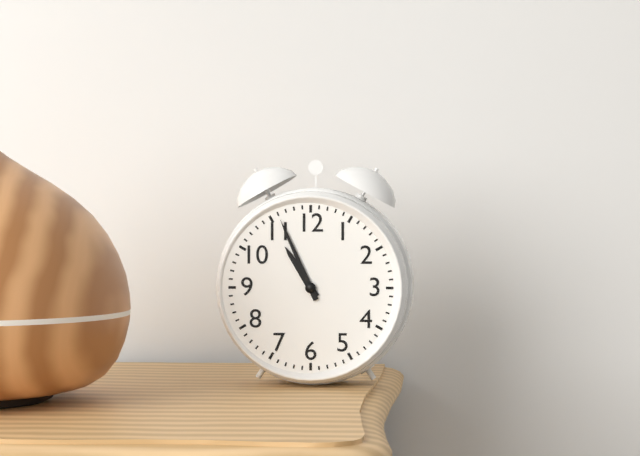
{"hour": 10, "minute": 56}
